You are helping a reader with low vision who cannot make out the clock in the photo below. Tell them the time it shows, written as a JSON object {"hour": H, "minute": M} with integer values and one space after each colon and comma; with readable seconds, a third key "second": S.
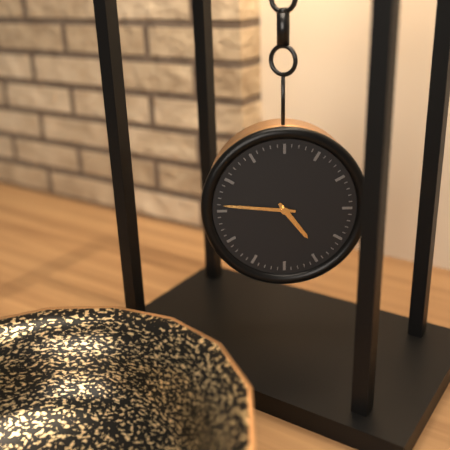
{"hour": 4, "minute": 46}
